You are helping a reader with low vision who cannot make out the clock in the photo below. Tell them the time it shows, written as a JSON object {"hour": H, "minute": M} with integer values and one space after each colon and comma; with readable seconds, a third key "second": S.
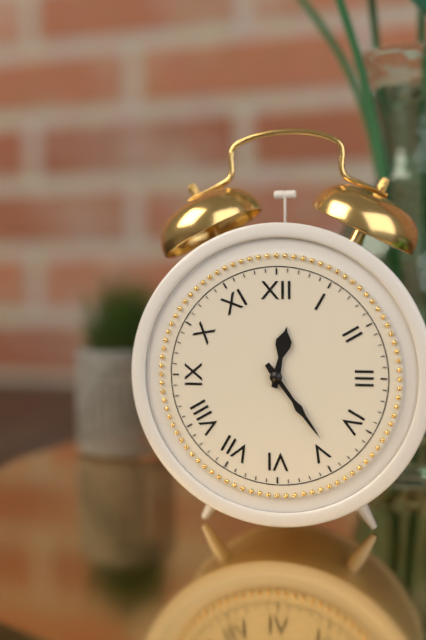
{"hour": 12, "minute": 24}
